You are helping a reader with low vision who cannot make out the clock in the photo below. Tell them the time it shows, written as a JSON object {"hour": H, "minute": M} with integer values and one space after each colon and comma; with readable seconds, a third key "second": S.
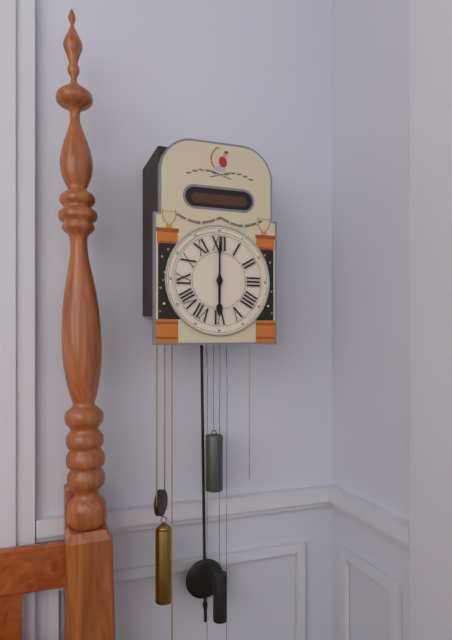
{"hour": 6, "minute": 0}
